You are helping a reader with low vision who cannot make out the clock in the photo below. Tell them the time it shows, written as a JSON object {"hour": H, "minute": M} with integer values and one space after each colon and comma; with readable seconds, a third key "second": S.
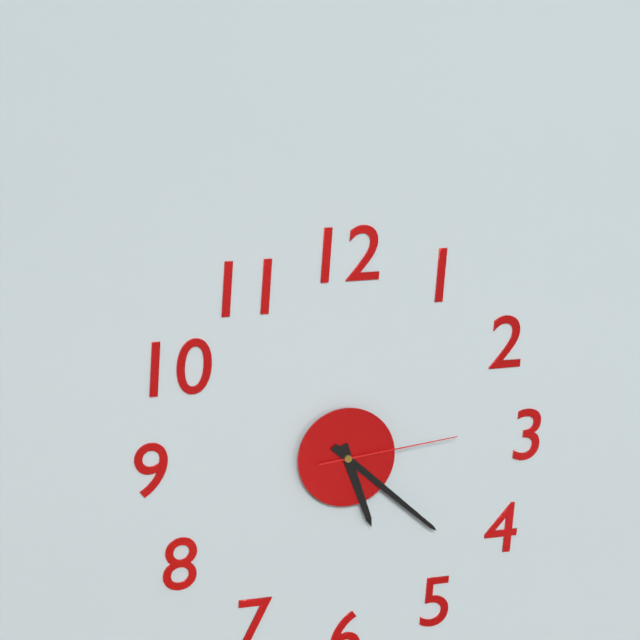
{"hour": 5, "minute": 22, "second": 14}
